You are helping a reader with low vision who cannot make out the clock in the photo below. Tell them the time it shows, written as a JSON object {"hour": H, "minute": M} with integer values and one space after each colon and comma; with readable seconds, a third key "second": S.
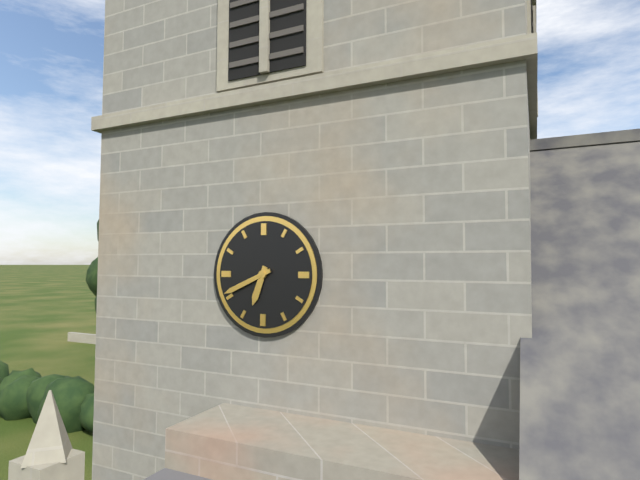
{"hour": 6, "minute": 41}
